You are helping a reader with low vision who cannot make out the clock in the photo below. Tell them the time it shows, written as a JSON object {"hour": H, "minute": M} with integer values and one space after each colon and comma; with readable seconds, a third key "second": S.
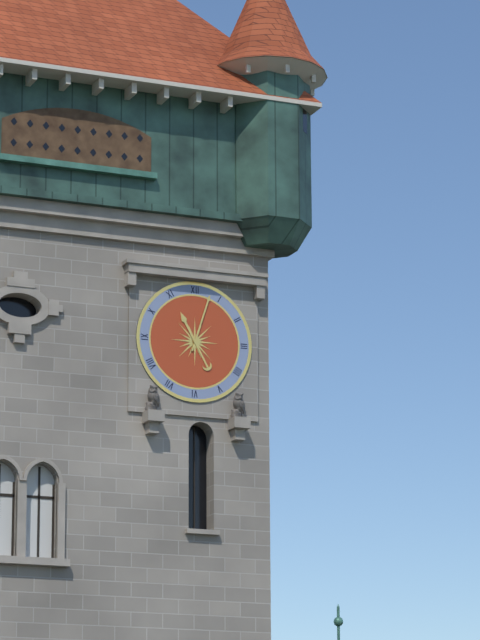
{"hour": 11, "minute": 3}
